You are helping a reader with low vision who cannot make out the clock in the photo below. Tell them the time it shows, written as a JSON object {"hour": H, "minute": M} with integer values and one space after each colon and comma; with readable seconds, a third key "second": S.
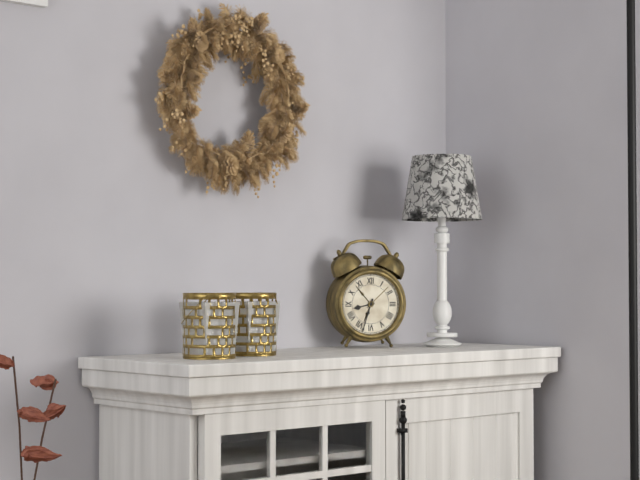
{"hour": 8, "minute": 33}
